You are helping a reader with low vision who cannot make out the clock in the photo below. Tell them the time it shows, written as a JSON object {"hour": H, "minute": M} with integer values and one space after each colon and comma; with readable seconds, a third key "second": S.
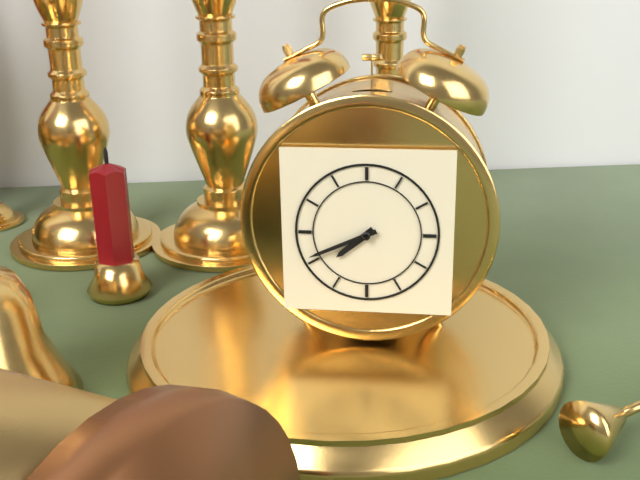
{"hour": 7, "minute": 41}
